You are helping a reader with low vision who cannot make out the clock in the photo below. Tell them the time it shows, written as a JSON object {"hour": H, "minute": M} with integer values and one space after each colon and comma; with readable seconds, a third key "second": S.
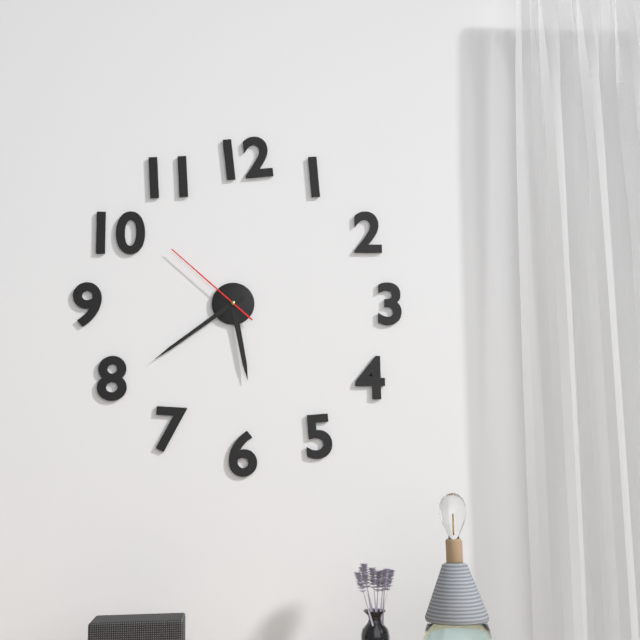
{"hour": 5, "minute": 39, "second": 52}
